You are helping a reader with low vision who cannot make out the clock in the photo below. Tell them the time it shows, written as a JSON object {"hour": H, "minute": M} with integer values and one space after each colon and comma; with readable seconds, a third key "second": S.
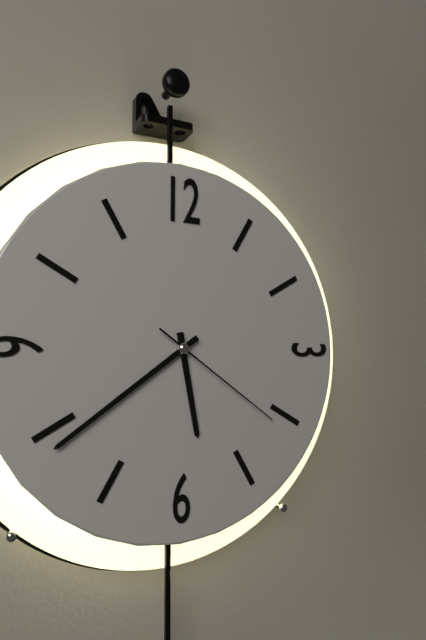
{"hour": 5, "minute": 39, "second": 21}
